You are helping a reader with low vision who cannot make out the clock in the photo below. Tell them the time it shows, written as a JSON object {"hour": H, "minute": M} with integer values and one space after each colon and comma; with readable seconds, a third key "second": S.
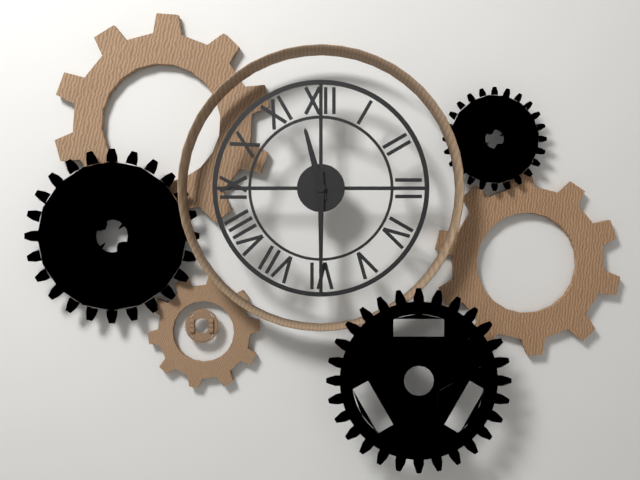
{"hour": 11, "minute": 30}
